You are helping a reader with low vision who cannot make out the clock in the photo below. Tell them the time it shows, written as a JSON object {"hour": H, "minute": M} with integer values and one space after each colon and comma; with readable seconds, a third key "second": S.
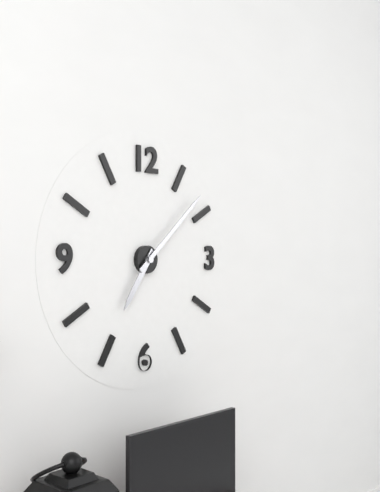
{"hour": 7, "minute": 8}
